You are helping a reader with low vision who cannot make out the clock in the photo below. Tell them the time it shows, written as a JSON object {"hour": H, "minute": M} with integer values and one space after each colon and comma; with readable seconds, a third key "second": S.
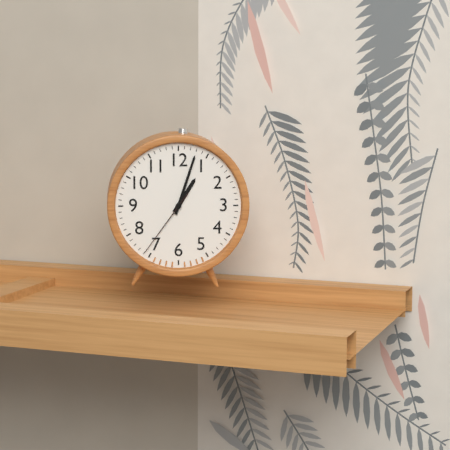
{"hour": 1, "minute": 3, "second": 36}
